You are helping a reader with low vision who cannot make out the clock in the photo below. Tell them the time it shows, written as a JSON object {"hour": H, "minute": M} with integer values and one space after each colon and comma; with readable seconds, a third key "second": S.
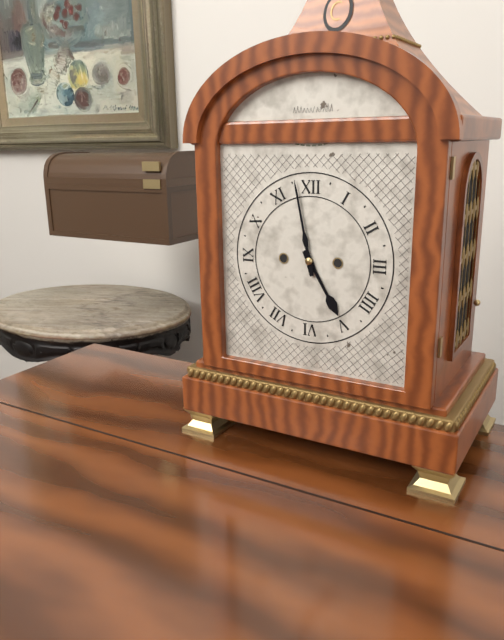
{"hour": 4, "minute": 58}
